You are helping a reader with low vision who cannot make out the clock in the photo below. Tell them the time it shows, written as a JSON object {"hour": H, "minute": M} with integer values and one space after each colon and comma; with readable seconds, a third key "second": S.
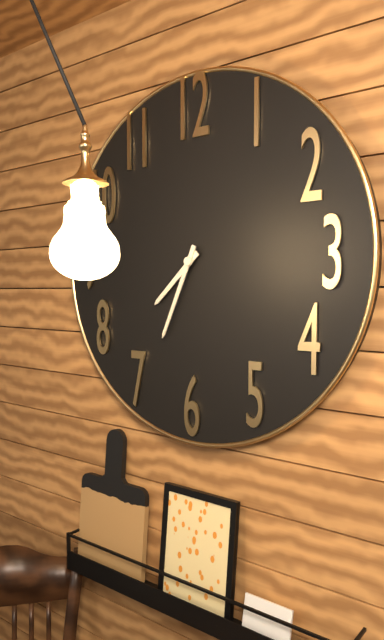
{"hour": 7, "minute": 34}
